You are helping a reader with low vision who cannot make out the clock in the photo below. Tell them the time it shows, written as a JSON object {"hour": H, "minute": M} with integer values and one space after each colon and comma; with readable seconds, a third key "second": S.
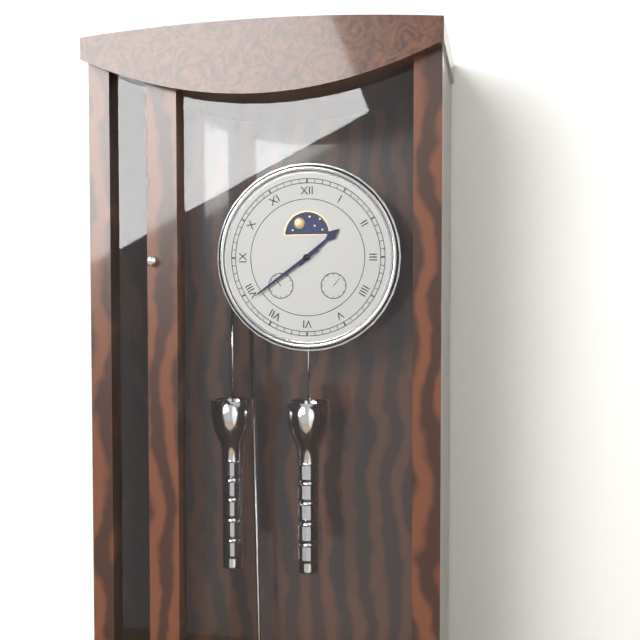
{"hour": 1, "minute": 39}
